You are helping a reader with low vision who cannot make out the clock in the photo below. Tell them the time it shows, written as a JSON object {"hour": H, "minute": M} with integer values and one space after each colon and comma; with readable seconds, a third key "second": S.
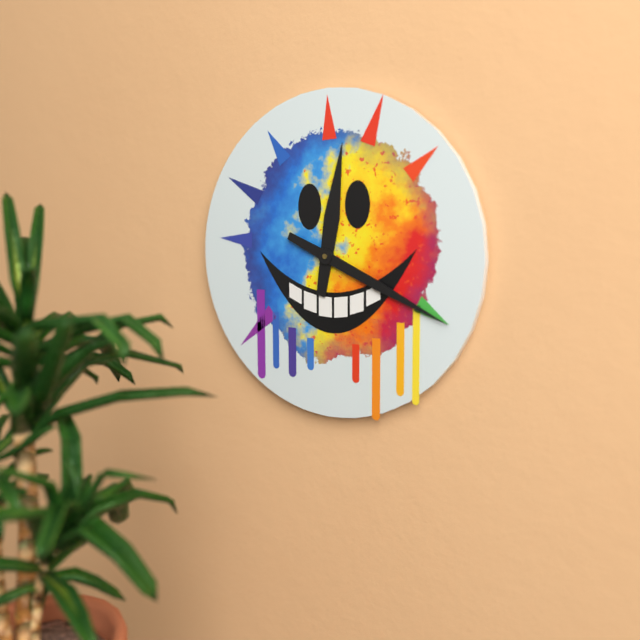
{"hour": 12, "minute": 19}
